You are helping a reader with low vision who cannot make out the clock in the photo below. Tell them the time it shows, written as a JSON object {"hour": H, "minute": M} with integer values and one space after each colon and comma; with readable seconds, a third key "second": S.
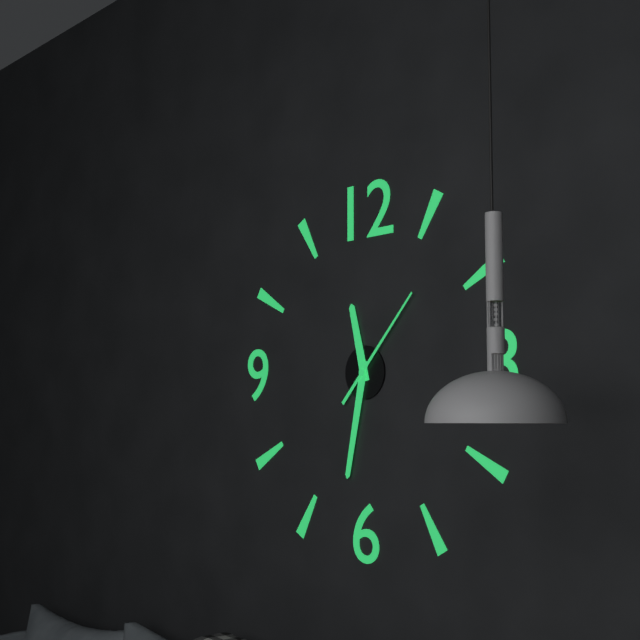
{"hour": 11, "minute": 32, "second": 7}
